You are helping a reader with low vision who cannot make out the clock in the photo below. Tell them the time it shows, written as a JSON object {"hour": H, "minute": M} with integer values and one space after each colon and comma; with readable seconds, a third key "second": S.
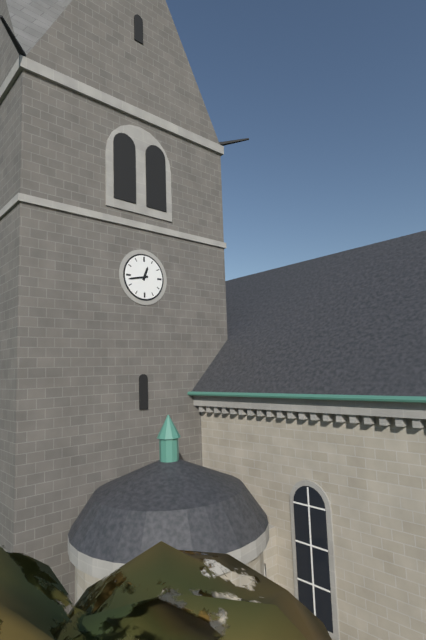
{"hour": 12, "minute": 43}
